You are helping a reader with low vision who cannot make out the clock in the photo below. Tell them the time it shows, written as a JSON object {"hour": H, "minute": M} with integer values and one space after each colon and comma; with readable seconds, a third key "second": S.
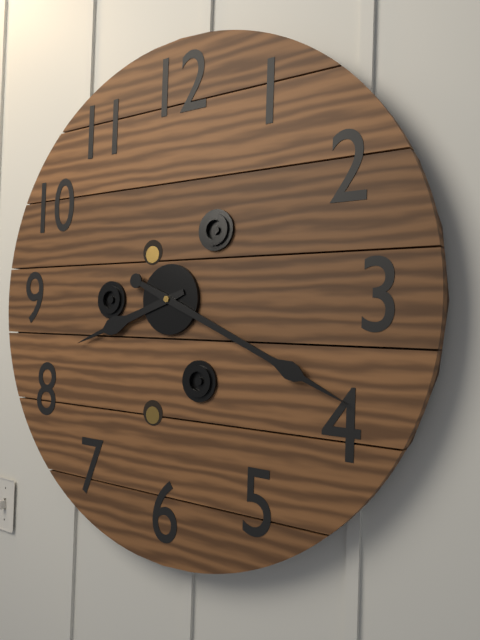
{"hour": 8, "minute": 19}
